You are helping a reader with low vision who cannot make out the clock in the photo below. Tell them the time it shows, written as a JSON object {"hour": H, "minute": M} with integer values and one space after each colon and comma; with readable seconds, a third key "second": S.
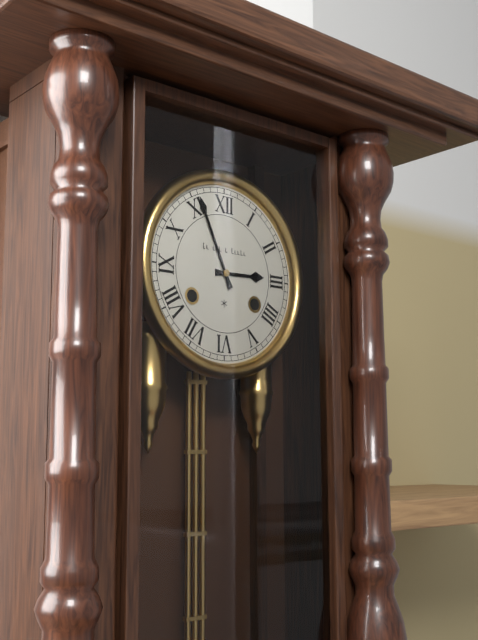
{"hour": 2, "minute": 56}
